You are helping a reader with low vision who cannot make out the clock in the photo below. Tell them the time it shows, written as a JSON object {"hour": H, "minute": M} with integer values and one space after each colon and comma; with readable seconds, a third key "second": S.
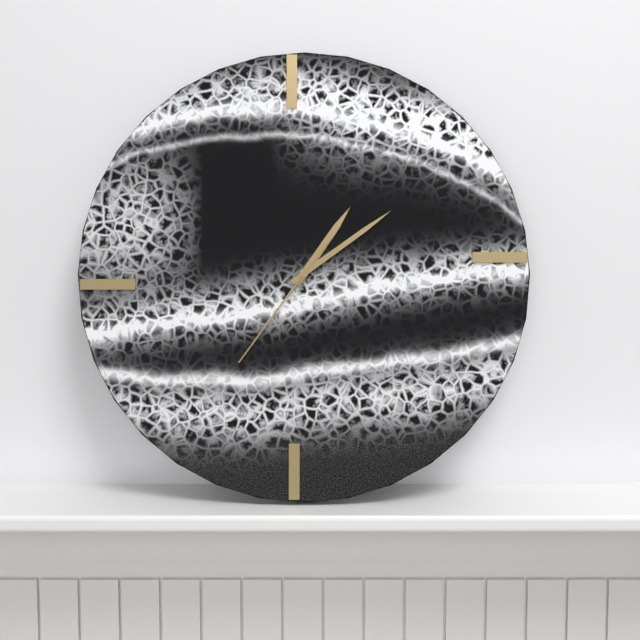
{"hour": 1, "minute": 9, "second": 36}
